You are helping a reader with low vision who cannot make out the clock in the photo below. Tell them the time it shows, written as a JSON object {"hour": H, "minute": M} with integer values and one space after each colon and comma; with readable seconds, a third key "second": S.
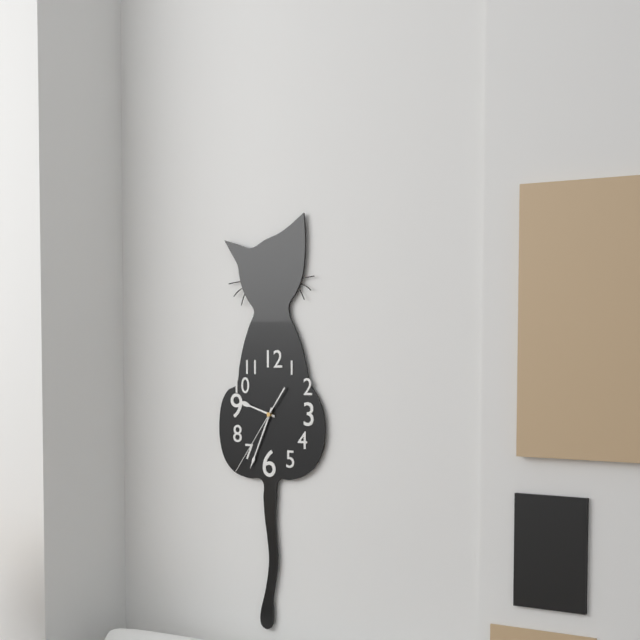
{"hour": 9, "minute": 34, "second": 36}
